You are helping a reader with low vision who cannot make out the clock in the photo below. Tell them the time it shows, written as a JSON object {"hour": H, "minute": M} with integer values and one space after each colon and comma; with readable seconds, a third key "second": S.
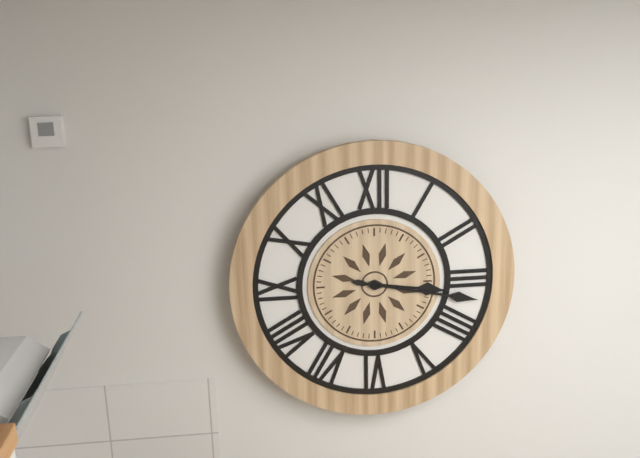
{"hour": 3, "minute": 17}
